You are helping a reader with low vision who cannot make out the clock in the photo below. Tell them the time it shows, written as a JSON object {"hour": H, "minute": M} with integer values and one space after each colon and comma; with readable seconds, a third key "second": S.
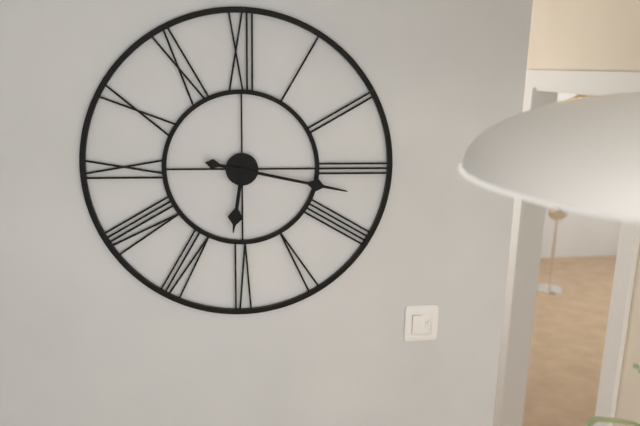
{"hour": 6, "minute": 17}
